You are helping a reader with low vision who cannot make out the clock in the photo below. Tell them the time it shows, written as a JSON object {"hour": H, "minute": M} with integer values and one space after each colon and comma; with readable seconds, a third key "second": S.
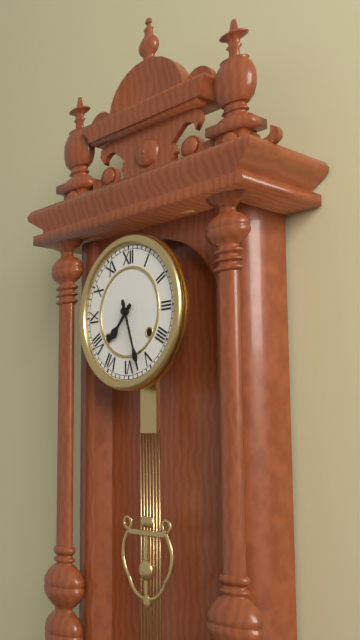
{"hour": 7, "minute": 27}
